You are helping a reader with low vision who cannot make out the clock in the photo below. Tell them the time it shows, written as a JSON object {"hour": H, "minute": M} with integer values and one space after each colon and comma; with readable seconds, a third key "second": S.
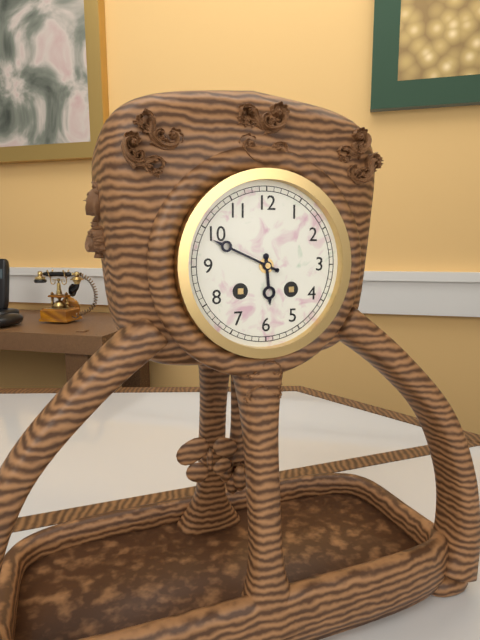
{"hour": 5, "minute": 49}
